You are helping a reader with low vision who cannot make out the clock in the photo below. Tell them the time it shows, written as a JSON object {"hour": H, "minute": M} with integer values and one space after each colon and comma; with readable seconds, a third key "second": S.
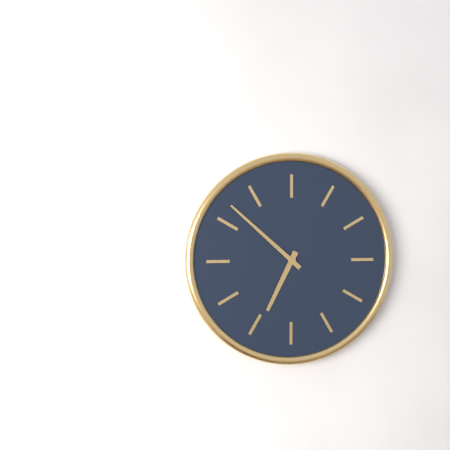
{"hour": 6, "minute": 52}
